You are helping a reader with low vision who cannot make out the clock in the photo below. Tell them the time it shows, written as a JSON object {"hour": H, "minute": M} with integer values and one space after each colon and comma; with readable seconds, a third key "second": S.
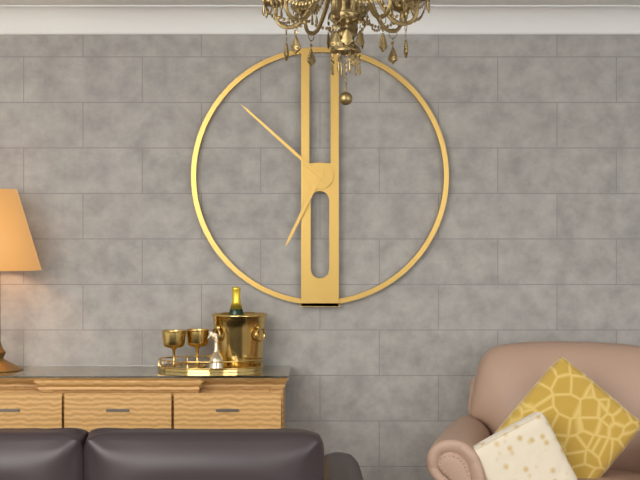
{"hour": 6, "minute": 52}
